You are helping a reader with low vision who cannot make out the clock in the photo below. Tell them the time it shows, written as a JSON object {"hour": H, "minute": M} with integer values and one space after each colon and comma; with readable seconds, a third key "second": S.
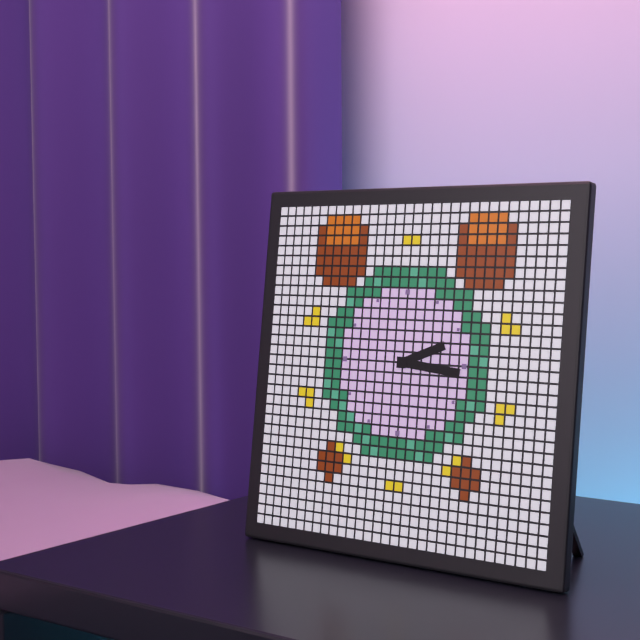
{"hour": 2, "minute": 16}
